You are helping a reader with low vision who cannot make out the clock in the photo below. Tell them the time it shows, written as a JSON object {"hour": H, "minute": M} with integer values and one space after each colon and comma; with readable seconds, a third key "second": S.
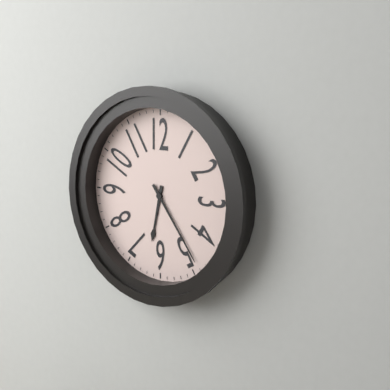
{"hour": 6, "minute": 24}
